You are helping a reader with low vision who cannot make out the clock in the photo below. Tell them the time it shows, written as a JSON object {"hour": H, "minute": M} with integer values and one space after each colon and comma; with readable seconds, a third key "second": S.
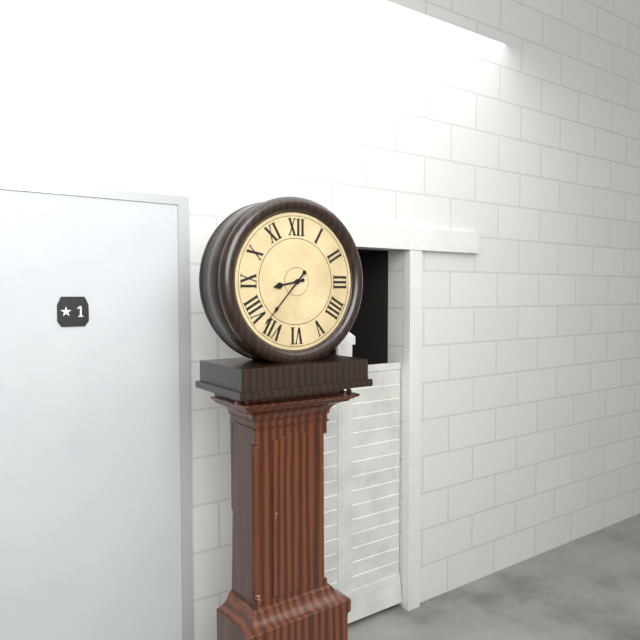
{"hour": 8, "minute": 37}
